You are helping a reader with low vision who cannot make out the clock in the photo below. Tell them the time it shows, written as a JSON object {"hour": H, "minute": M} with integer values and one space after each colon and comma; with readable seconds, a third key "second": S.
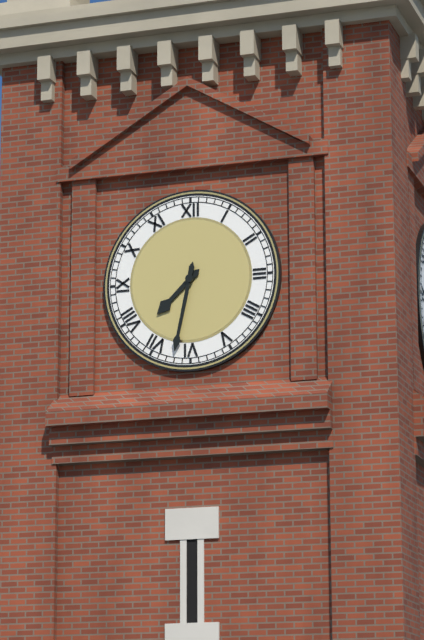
{"hour": 7, "minute": 32}
